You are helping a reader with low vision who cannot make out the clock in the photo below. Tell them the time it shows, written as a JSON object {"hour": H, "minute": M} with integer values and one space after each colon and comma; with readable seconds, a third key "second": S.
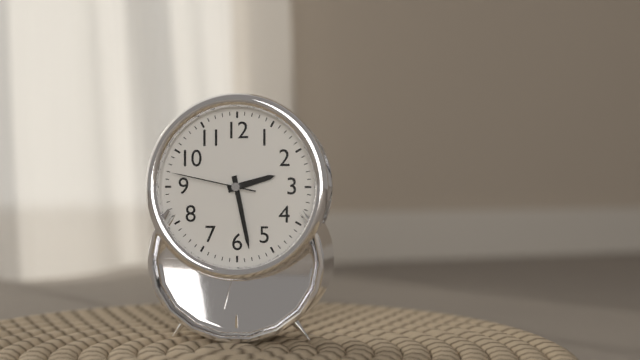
{"hour": 2, "minute": 28, "second": 47}
